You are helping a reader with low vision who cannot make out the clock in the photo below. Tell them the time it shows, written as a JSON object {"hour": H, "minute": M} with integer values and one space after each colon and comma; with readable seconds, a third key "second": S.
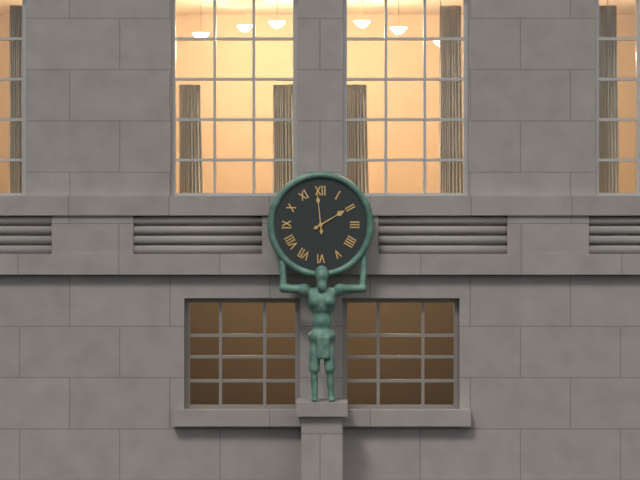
{"hour": 1, "minute": 59}
